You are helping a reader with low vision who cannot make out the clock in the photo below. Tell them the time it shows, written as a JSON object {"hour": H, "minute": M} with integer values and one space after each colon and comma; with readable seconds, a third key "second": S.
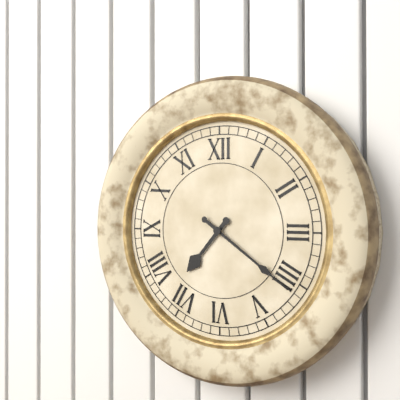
{"hour": 7, "minute": 21}
